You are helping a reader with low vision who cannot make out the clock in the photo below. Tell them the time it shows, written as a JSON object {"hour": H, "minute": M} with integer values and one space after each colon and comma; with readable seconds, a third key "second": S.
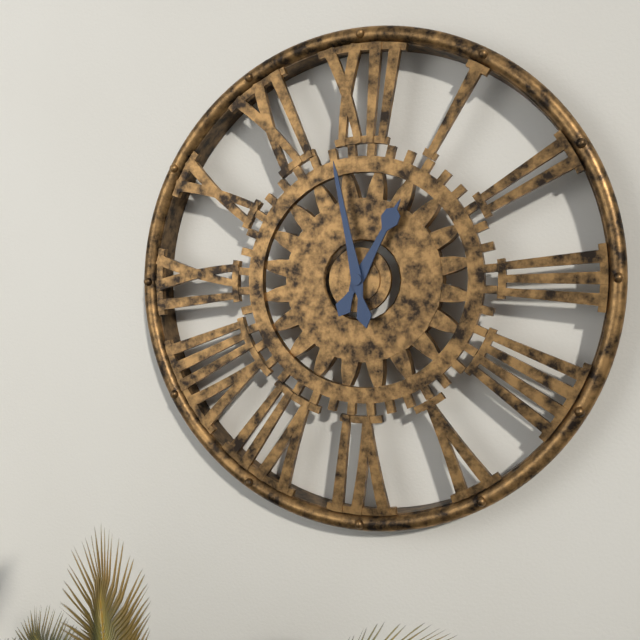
{"hour": 12, "minute": 58}
